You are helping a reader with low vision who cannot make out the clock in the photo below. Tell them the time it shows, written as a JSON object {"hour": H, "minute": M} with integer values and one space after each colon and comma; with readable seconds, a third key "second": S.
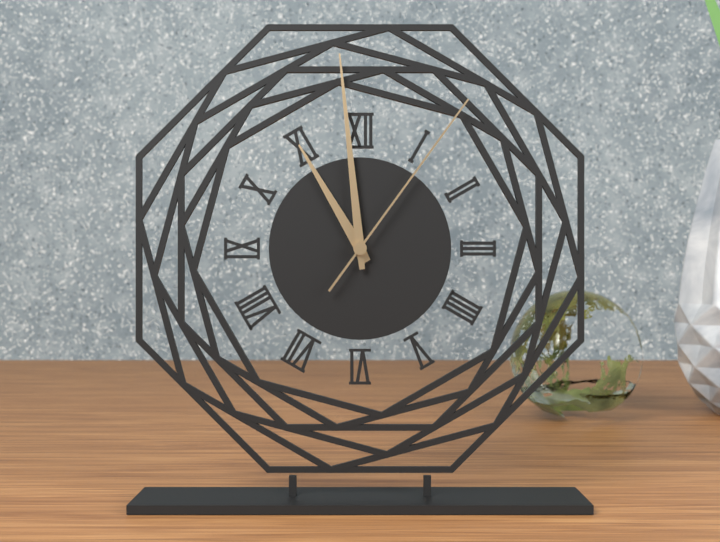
{"hour": 10, "minute": 59, "second": 6}
